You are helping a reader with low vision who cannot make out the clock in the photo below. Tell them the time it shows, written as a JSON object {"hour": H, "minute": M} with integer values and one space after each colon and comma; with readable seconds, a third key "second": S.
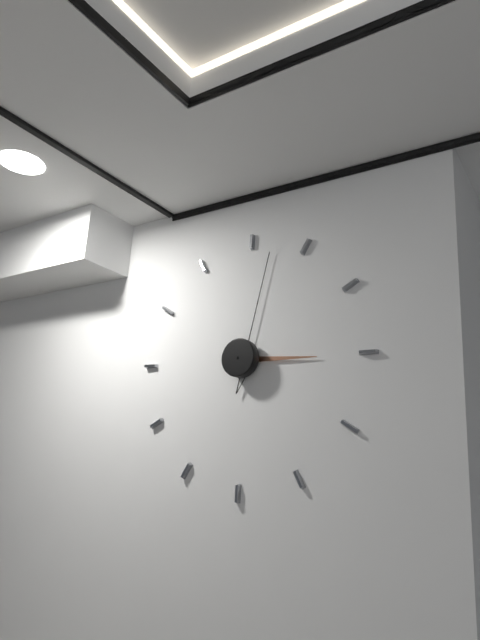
{"hour": 3, "minute": 2}
